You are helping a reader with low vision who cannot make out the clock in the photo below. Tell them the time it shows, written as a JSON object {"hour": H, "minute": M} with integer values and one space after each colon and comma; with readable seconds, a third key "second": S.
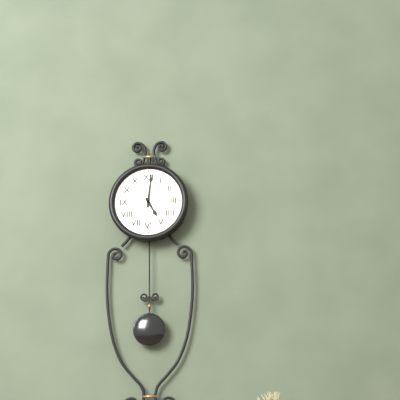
{"hour": 5, "minute": 1}
